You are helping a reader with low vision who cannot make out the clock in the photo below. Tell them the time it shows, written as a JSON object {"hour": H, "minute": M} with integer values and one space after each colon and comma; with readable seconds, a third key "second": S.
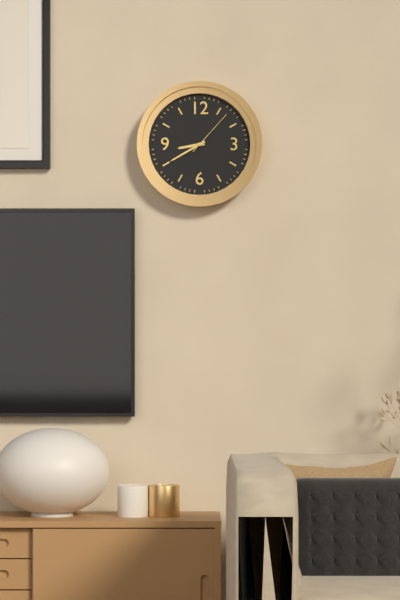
{"hour": 8, "minute": 40, "second": 7}
